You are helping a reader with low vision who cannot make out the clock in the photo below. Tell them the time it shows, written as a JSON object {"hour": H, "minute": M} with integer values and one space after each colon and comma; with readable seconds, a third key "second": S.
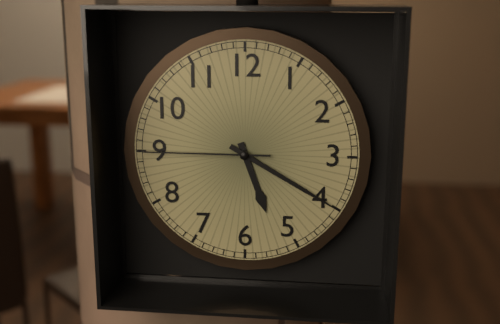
{"hour": 5, "minute": 20, "second": 45}
